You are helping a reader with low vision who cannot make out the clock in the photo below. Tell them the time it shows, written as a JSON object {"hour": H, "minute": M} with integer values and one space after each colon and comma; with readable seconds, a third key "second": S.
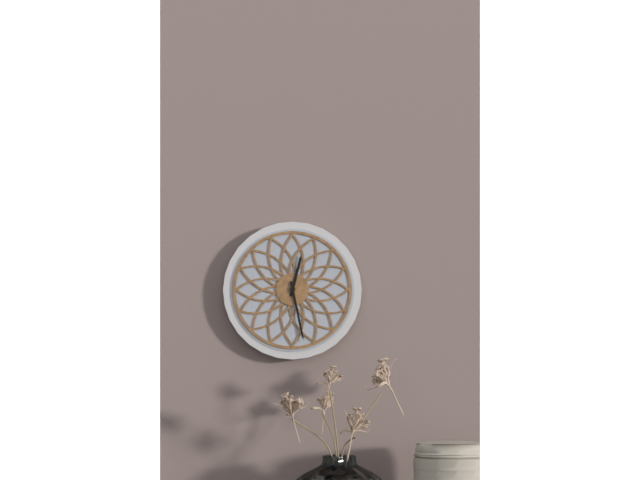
{"hour": 12, "minute": 28}
